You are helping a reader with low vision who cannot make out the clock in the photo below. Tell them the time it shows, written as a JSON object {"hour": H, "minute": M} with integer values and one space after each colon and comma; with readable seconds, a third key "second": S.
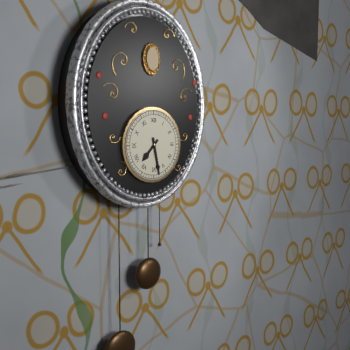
{"hour": 7, "minute": 28}
